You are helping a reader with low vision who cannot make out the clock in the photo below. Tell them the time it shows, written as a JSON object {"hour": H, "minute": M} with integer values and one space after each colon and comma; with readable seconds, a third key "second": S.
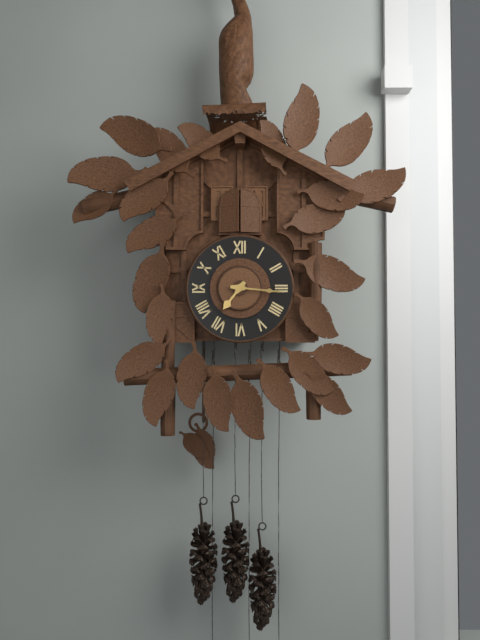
{"hour": 7, "minute": 16}
